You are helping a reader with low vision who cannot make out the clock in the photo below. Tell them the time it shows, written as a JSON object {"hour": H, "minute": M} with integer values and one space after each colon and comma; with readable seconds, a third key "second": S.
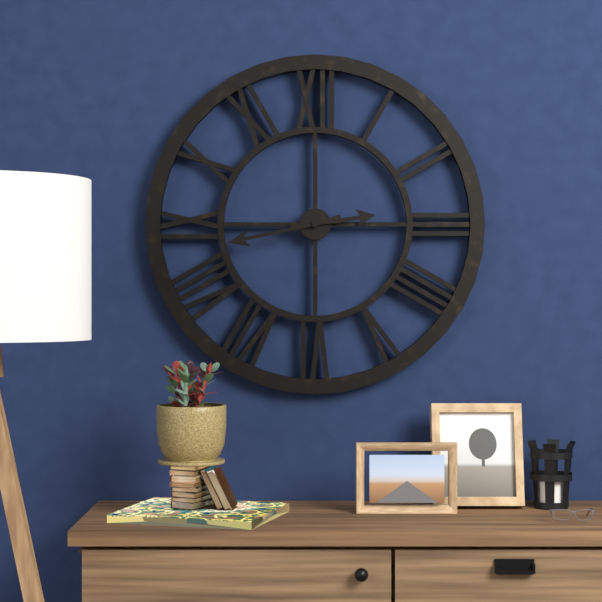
{"hour": 2, "minute": 43}
